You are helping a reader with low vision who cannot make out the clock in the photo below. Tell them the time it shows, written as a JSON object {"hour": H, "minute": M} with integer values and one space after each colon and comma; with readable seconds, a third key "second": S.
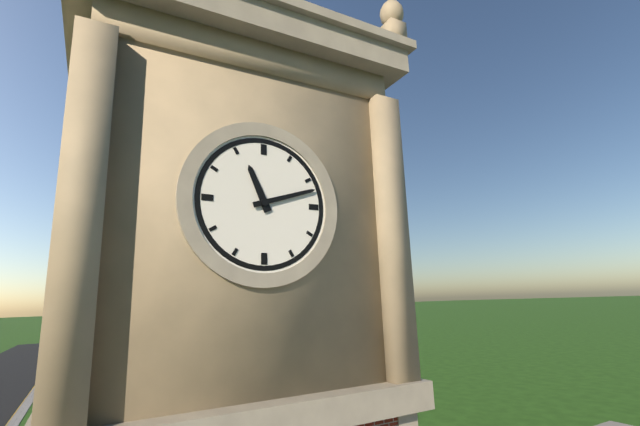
{"hour": 11, "minute": 12}
